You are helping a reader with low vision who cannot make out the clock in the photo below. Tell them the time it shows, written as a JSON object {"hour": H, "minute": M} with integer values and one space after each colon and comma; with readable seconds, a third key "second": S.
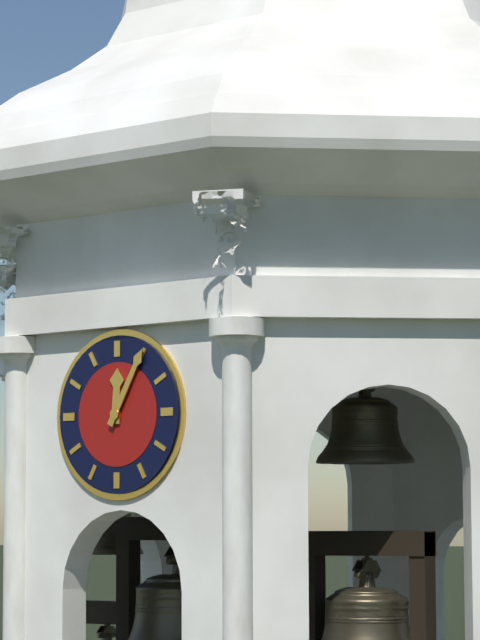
{"hour": 12, "minute": 5}
